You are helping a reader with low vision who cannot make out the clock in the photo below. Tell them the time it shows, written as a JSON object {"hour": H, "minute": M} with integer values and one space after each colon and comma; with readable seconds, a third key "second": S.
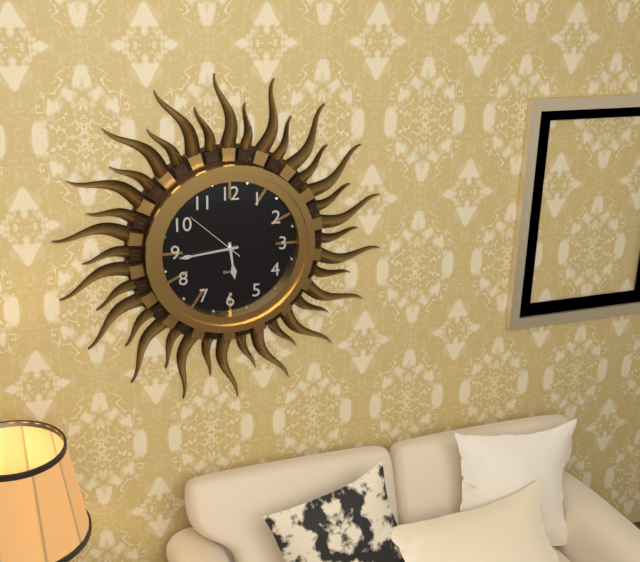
{"hour": 5, "minute": 44, "second": 52}
